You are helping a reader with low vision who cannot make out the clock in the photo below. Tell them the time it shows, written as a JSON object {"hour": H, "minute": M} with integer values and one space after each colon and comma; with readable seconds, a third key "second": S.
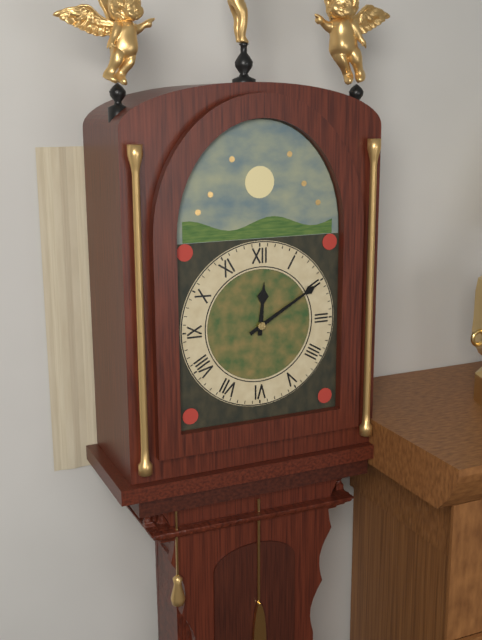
{"hour": 12, "minute": 10}
